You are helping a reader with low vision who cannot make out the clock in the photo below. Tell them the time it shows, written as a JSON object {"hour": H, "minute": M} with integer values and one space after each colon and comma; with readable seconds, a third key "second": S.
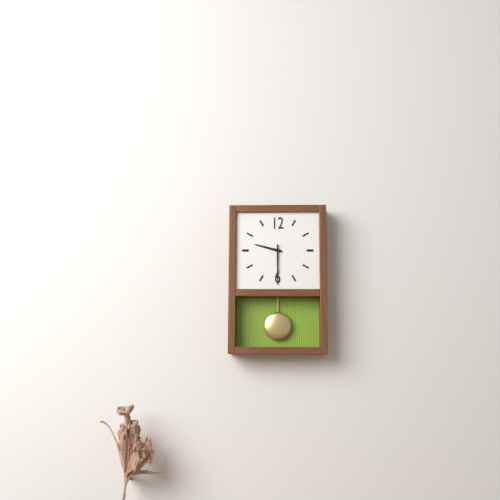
{"hour": 9, "minute": 30}
